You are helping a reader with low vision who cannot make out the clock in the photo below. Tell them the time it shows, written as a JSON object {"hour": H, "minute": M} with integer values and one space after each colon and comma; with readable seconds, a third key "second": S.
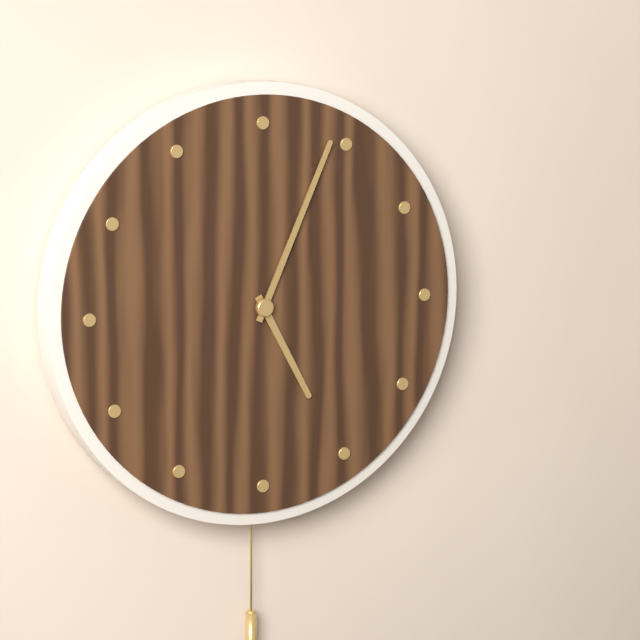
{"hour": 5, "minute": 4}
